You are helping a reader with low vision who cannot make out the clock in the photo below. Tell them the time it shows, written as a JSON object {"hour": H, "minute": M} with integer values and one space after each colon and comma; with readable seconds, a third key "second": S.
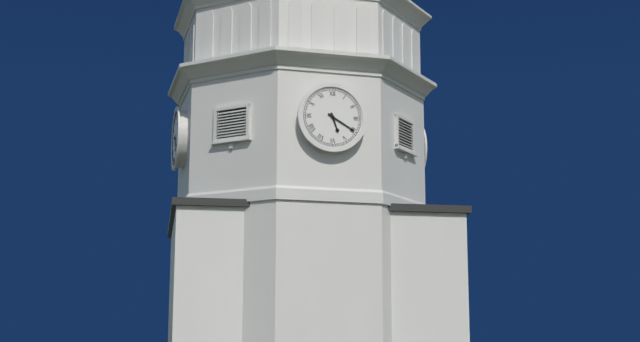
{"hour": 5, "minute": 20}
